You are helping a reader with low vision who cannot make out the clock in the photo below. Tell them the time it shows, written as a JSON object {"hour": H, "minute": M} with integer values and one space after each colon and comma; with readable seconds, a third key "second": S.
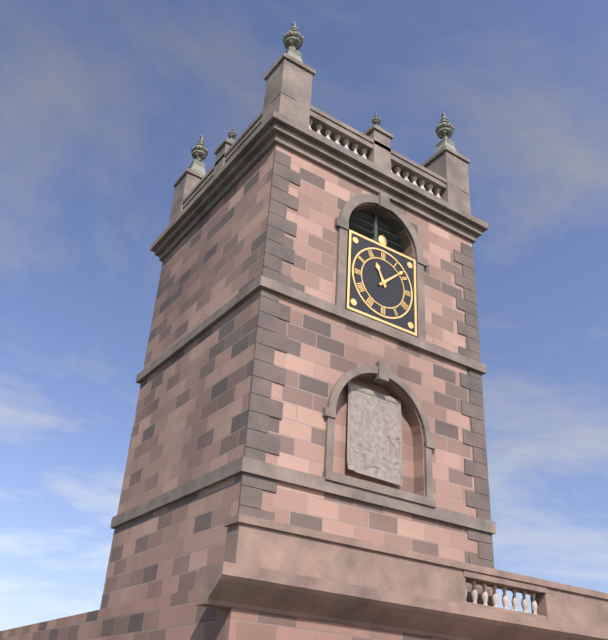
{"hour": 11, "minute": 8}
